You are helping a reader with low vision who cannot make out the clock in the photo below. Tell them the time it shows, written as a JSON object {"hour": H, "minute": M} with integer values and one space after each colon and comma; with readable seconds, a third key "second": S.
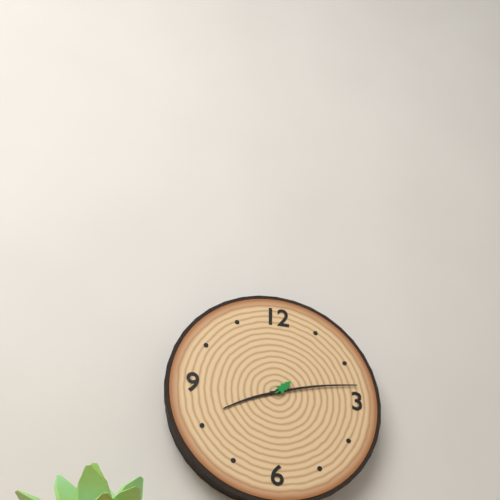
{"hour": 8, "minute": 13}
